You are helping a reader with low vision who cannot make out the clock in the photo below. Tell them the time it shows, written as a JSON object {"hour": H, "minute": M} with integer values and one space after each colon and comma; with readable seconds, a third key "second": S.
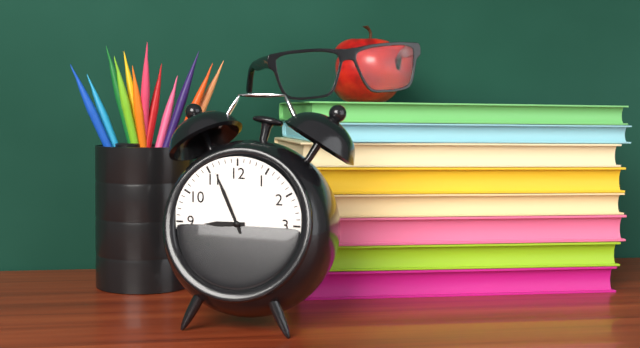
{"hour": 8, "minute": 56}
